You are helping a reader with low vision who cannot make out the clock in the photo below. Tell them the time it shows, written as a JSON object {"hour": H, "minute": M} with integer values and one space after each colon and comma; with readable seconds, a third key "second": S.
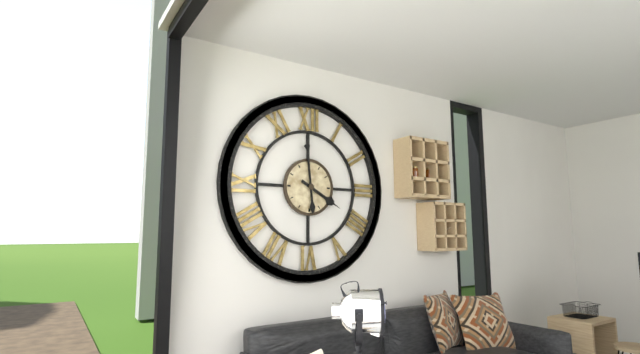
{"hour": 3, "minute": 59}
